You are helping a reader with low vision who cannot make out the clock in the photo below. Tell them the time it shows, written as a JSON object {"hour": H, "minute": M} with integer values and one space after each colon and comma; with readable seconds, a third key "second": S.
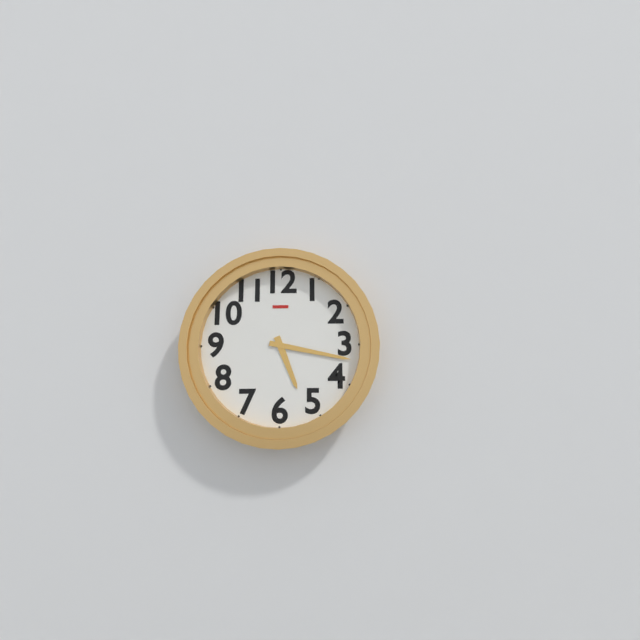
{"hour": 5, "minute": 17}
